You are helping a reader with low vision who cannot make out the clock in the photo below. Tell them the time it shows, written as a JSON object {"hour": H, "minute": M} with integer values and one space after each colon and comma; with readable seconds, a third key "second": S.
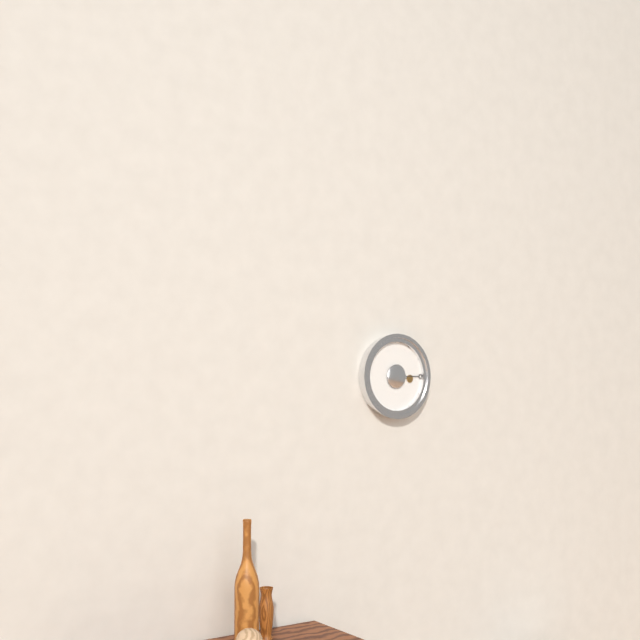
{"hour": 3, "minute": 15}
